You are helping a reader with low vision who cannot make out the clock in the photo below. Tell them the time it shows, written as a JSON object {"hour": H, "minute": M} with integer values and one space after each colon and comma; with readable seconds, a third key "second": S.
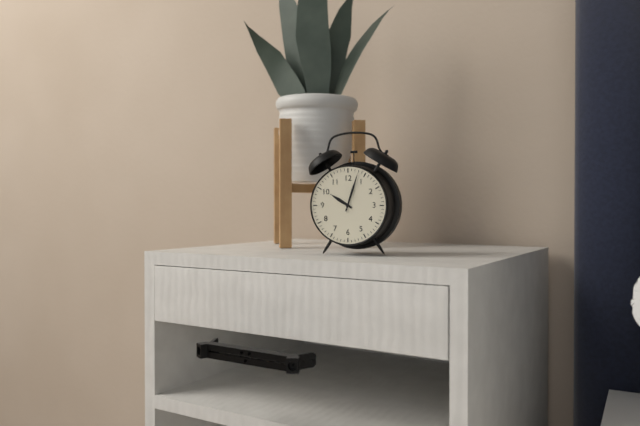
{"hour": 10, "minute": 3}
